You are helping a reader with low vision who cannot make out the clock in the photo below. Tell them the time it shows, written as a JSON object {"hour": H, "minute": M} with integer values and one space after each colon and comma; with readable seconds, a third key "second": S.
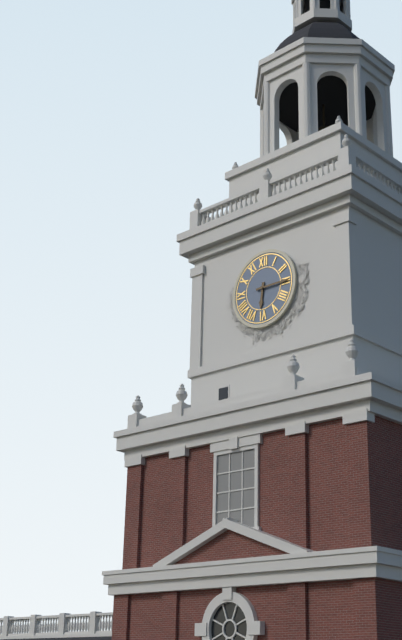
{"hour": 6, "minute": 15}
